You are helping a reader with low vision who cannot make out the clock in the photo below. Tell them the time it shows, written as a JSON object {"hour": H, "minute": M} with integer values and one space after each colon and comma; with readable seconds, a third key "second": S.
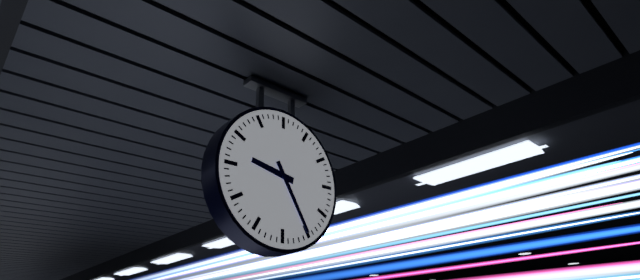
{"hour": 9, "minute": 25}
